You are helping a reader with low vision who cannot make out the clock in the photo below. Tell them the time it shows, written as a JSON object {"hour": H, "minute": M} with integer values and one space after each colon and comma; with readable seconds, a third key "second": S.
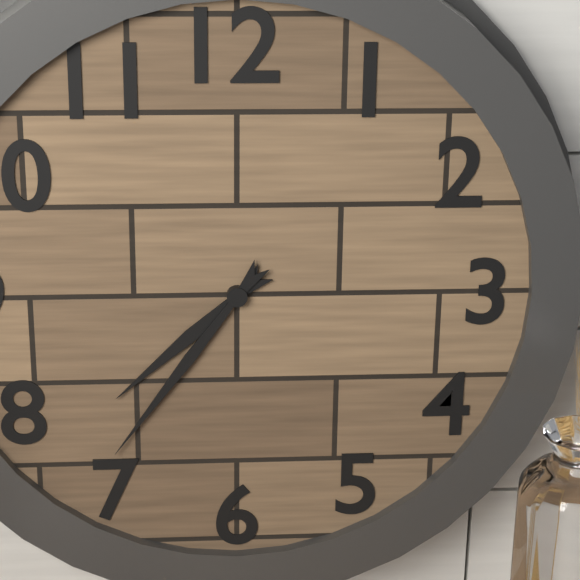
{"hour": 7, "minute": 36}
